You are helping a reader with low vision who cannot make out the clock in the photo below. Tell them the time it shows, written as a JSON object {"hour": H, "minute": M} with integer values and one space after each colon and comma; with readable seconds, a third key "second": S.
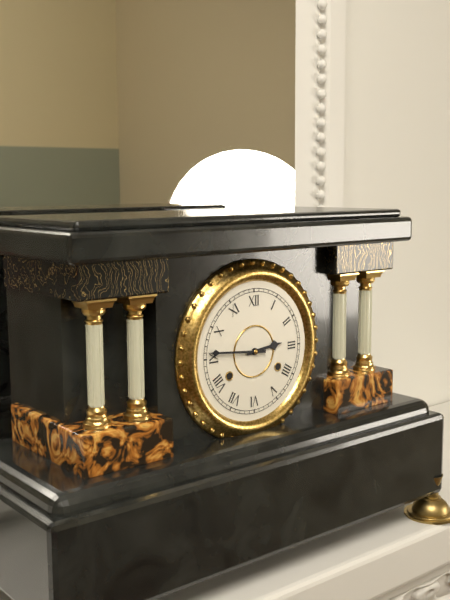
{"hour": 2, "minute": 46}
